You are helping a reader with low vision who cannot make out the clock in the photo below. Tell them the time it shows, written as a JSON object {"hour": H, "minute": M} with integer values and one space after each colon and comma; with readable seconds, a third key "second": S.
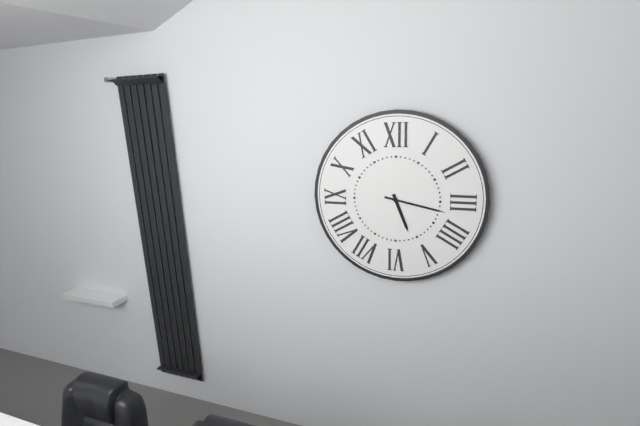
{"hour": 5, "minute": 17}
